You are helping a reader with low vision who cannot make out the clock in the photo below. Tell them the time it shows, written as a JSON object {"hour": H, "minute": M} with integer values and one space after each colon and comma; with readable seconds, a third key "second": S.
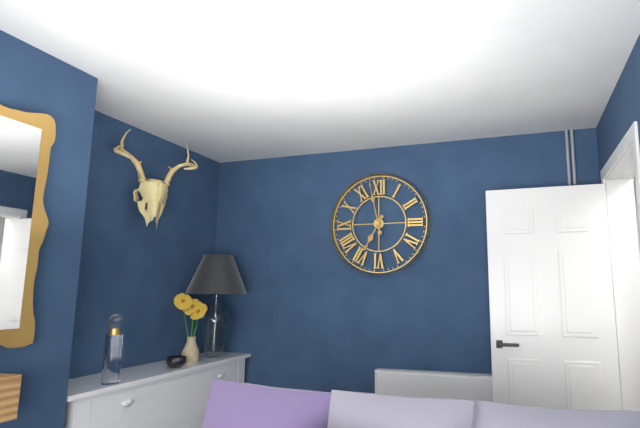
{"hour": 6, "minute": 58}
